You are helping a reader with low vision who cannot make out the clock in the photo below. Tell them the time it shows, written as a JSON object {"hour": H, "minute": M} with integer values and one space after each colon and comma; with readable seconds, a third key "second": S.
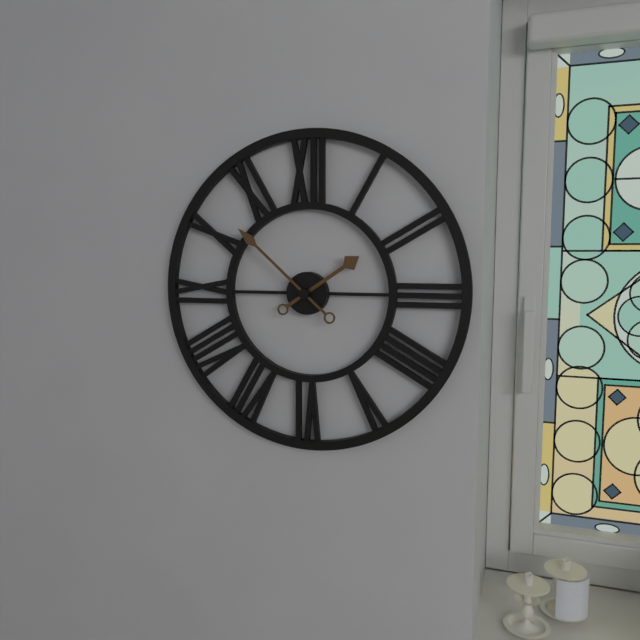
{"hour": 1, "minute": 52}
